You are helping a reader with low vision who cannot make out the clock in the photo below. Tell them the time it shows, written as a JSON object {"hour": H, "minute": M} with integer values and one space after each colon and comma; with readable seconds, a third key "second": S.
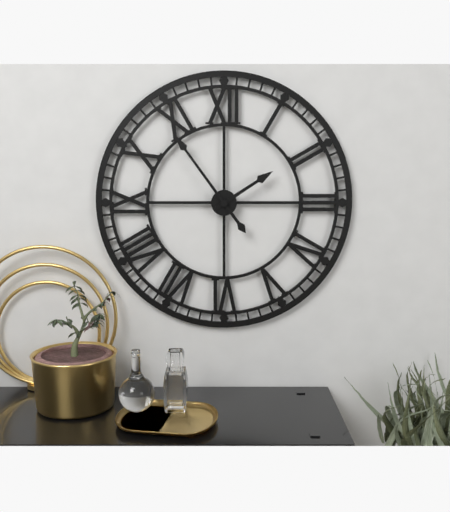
{"hour": 1, "minute": 54}
